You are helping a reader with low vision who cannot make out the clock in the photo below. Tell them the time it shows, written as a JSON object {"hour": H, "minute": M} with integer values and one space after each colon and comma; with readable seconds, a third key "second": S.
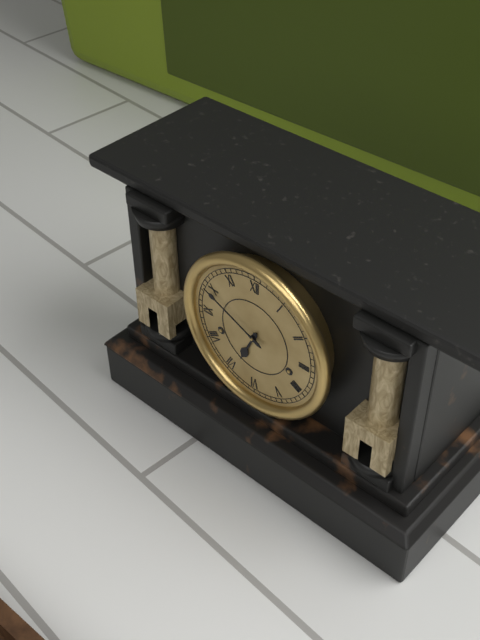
{"hour": 6, "minute": 49}
